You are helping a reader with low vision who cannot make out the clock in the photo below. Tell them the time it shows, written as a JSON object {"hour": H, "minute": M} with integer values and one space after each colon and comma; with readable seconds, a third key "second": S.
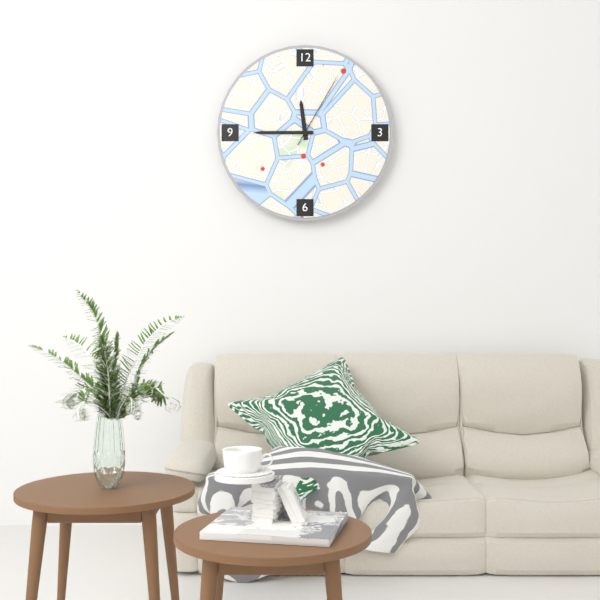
{"hour": 11, "minute": 45, "second": 5}
